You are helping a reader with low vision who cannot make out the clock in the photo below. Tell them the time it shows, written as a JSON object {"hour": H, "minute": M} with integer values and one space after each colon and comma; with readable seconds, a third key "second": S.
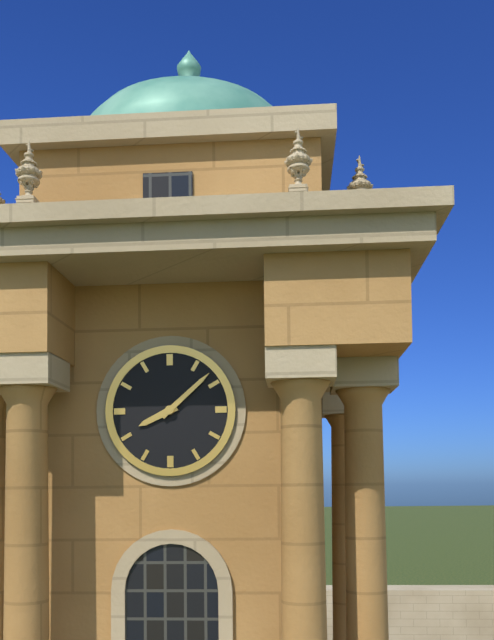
{"hour": 8, "minute": 8}
